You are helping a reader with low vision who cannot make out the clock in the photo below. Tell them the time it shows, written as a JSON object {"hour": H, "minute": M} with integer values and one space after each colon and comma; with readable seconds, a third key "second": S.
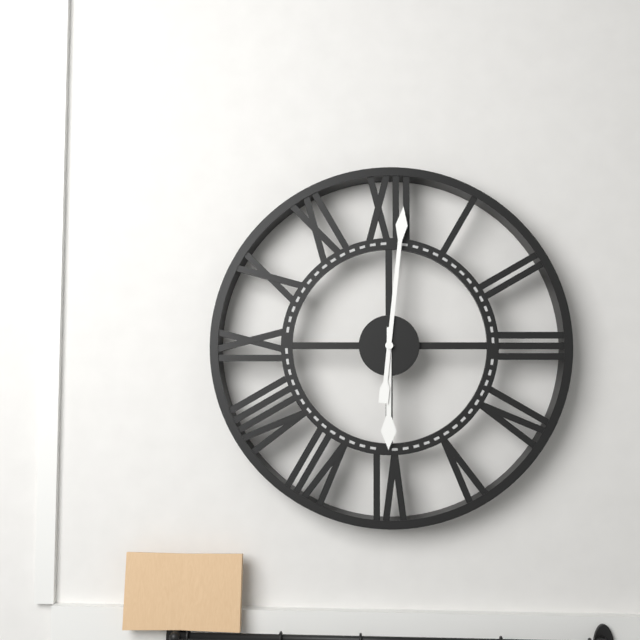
{"hour": 6, "minute": 1}
